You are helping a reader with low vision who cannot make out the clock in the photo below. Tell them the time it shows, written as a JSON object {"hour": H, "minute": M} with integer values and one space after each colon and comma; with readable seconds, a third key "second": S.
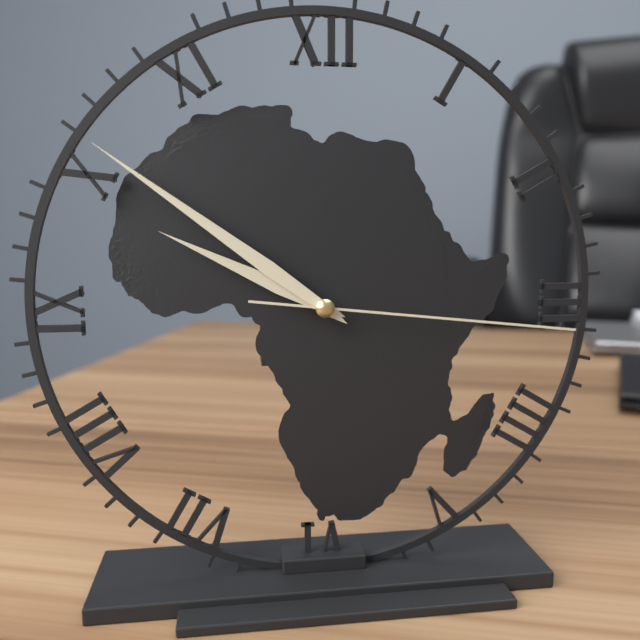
{"hour": 9, "minute": 51, "second": 16}
